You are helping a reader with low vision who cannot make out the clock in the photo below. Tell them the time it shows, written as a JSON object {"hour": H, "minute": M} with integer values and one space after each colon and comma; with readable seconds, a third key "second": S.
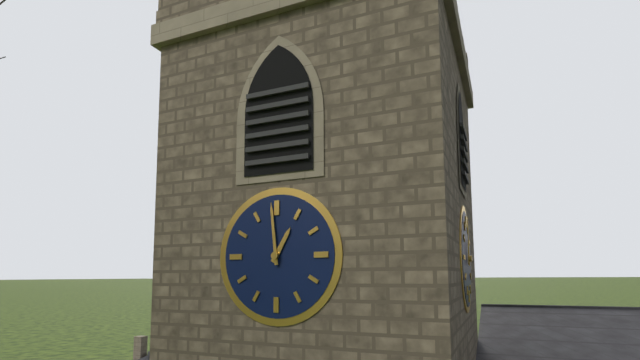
{"hour": 12, "minute": 59}
